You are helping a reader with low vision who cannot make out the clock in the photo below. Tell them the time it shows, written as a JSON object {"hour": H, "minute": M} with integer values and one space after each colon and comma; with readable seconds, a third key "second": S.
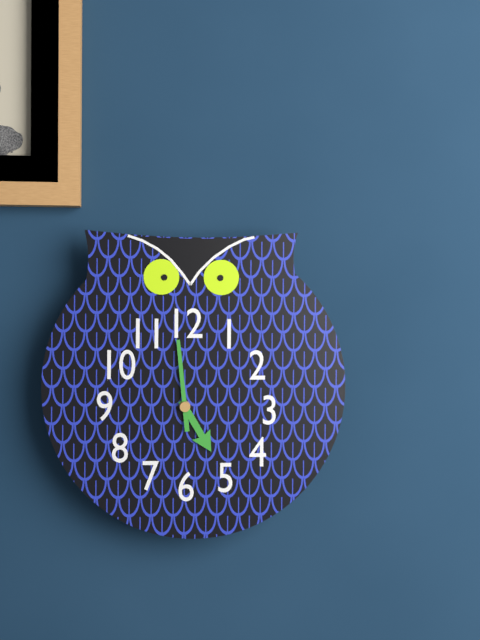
{"hour": 4, "minute": 59}
